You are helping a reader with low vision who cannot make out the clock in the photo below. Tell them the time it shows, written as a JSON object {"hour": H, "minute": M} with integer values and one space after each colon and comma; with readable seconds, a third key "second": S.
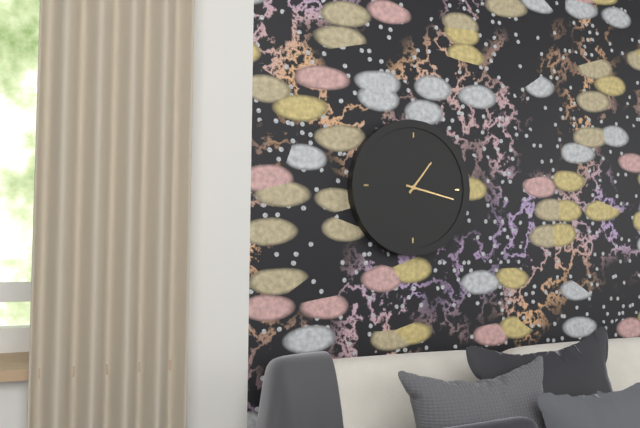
{"hour": 1, "minute": 17}
